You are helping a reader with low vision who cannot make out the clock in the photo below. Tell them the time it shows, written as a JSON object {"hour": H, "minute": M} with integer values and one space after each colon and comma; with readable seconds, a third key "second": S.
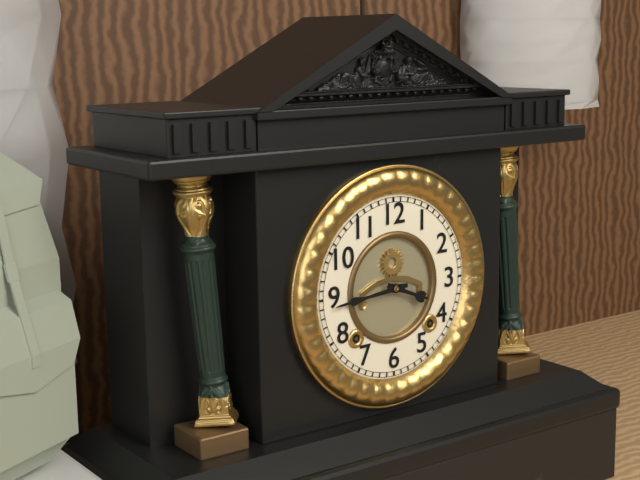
{"hour": 3, "minute": 44}
